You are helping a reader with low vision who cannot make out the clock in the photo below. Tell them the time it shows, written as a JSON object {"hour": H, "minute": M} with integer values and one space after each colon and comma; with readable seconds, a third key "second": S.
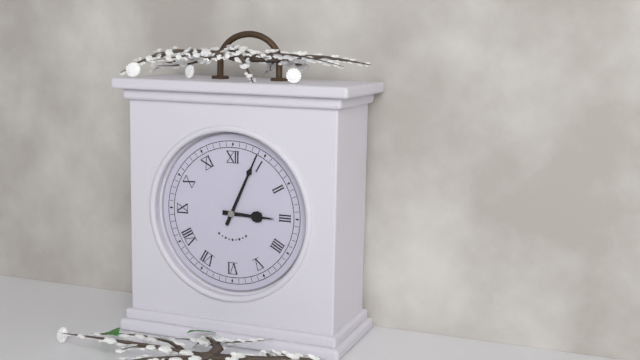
{"hour": 3, "minute": 4}
